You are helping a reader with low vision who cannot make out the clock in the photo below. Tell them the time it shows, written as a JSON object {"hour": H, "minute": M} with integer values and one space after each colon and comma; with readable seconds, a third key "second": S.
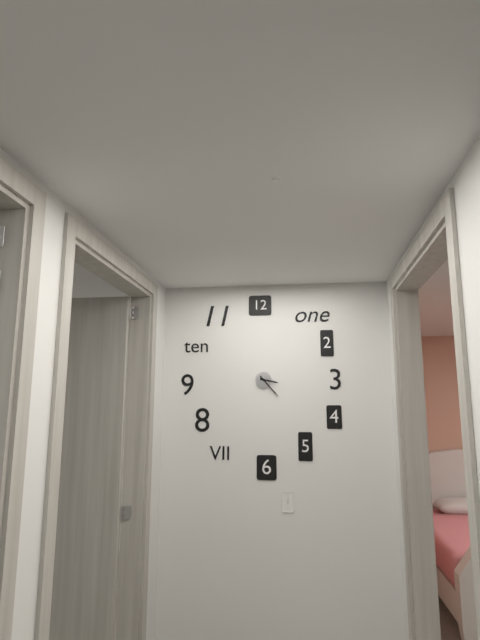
{"hour": 3, "minute": 23}
